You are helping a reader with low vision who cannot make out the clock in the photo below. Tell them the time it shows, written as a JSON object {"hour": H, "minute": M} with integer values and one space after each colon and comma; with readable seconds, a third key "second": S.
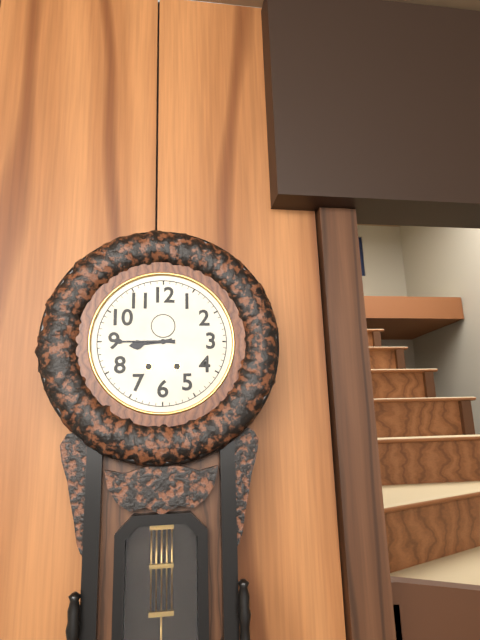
{"hour": 8, "minute": 45}
